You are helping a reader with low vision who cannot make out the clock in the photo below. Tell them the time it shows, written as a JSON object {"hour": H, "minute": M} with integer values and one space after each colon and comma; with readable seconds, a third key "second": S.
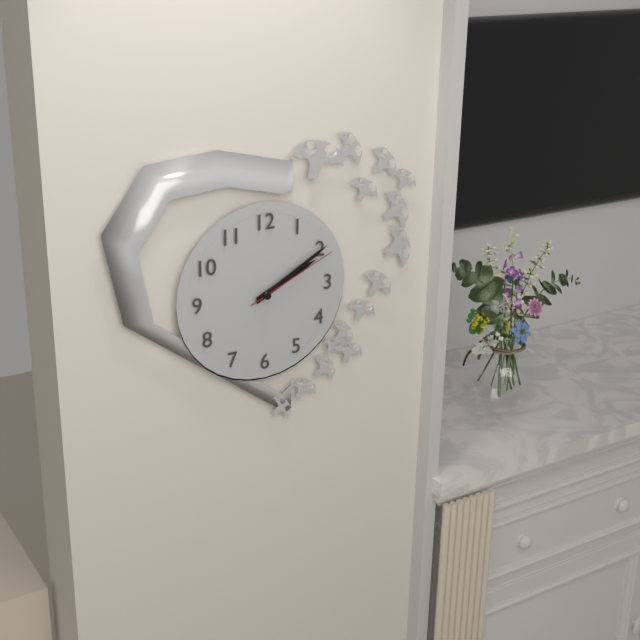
{"hour": 2, "minute": 10, "second": 11}
